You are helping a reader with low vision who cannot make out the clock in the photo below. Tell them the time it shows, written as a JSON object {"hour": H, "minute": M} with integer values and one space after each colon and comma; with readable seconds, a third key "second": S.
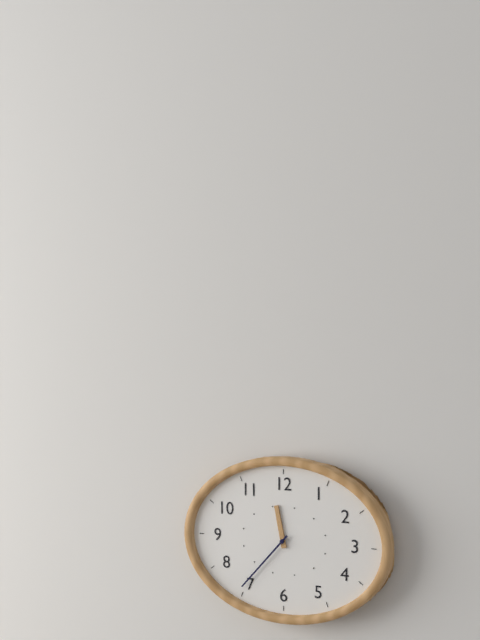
{"hour": 11, "minute": 37}
